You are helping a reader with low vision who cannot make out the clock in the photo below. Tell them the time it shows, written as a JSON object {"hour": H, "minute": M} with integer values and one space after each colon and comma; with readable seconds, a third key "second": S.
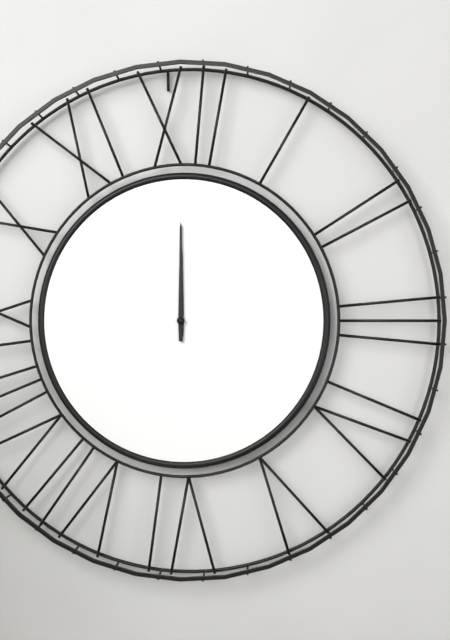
{"hour": 12, "minute": 0}
